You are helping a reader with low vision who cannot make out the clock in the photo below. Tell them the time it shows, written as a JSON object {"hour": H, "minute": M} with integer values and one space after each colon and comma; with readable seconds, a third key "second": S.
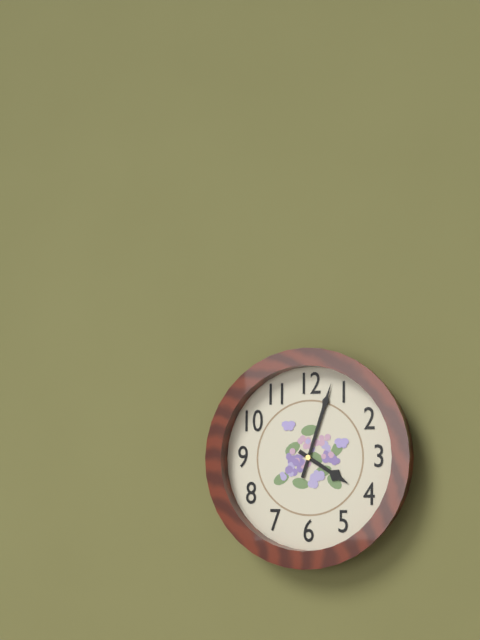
{"hour": 4, "minute": 3}
